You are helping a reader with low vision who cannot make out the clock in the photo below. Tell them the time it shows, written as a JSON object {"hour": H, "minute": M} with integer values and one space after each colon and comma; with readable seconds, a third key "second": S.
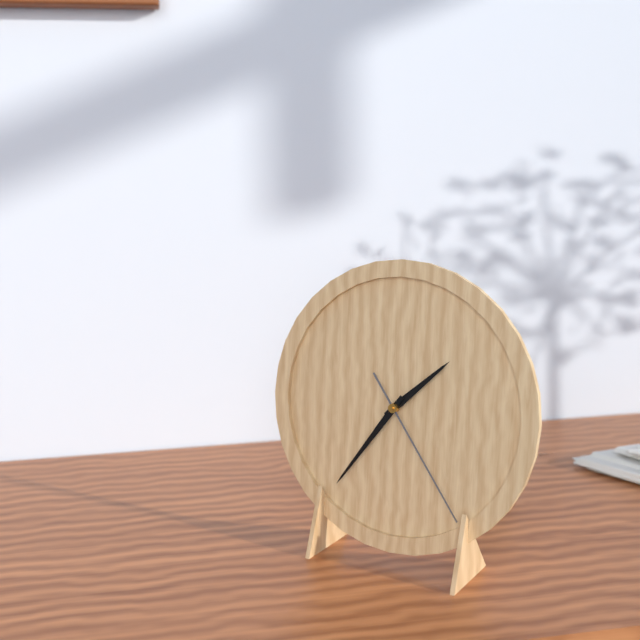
{"hour": 1, "minute": 36, "second": 24}
